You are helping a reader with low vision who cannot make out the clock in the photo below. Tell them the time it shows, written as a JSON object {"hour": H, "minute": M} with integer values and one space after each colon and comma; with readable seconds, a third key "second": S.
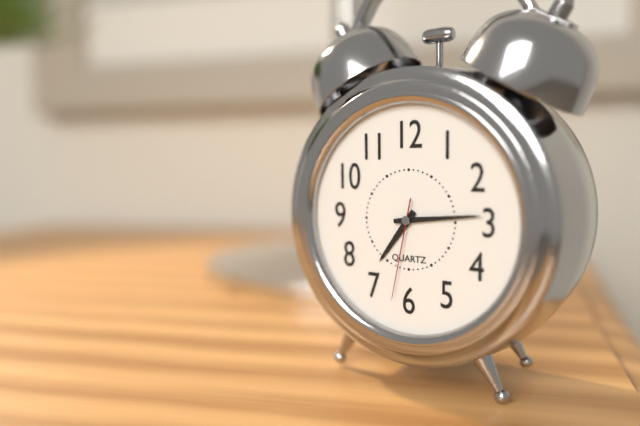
{"hour": 7, "minute": 14, "second": 32}
